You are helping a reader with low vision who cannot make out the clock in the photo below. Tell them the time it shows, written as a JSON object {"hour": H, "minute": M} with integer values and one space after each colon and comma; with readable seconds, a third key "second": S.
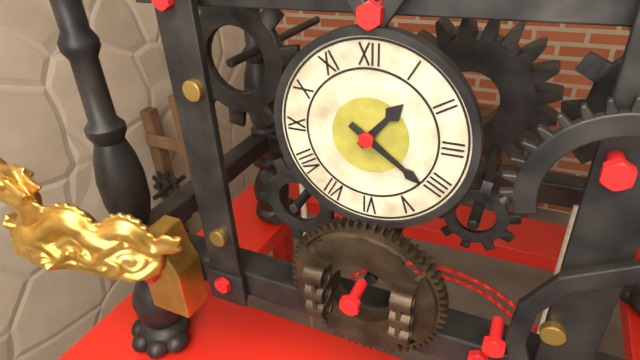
{"hour": 1, "minute": 21}
